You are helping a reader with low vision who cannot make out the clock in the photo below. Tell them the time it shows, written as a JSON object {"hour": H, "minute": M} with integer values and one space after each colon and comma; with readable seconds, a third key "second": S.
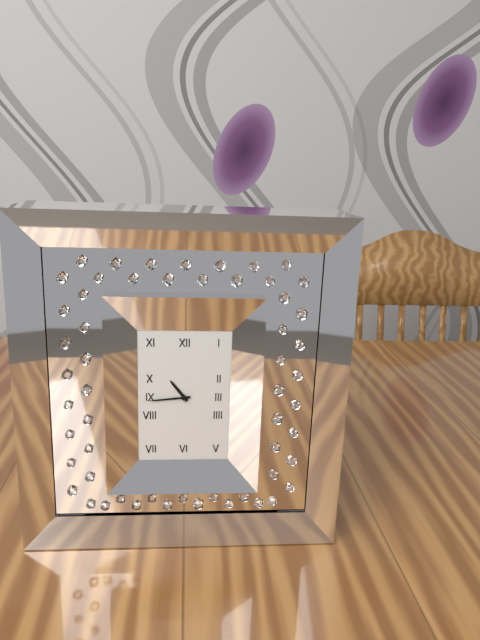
{"hour": 10, "minute": 44}
